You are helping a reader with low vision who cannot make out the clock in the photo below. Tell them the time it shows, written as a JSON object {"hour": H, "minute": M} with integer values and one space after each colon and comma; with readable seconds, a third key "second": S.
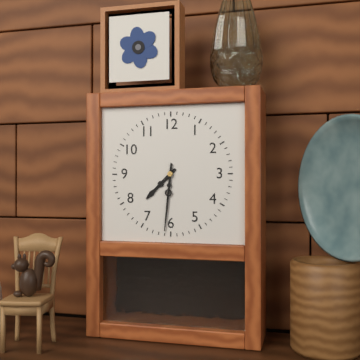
{"hour": 7, "minute": 31}
